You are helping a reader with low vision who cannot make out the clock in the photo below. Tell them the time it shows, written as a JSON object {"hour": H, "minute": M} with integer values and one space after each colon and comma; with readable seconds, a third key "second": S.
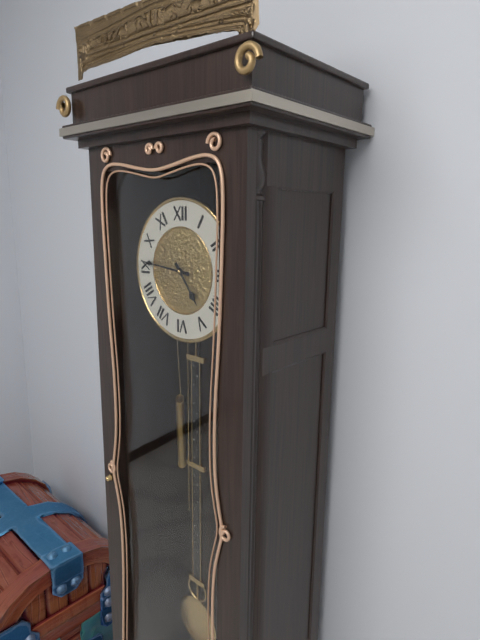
{"hour": 4, "minute": 46}
